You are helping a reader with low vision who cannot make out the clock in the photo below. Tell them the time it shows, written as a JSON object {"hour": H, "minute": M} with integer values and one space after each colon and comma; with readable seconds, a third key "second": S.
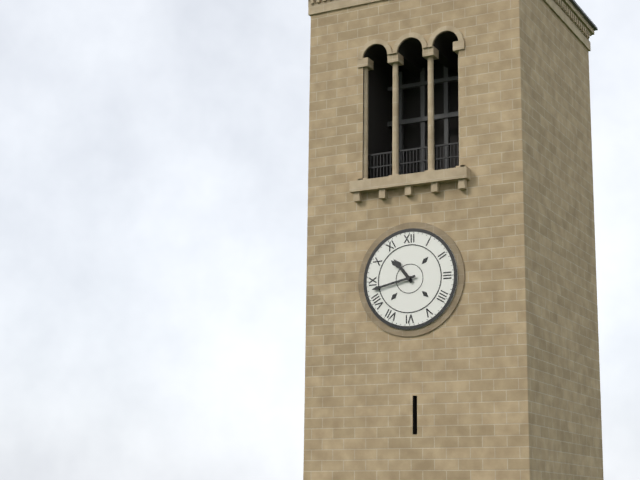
{"hour": 10, "minute": 43}
